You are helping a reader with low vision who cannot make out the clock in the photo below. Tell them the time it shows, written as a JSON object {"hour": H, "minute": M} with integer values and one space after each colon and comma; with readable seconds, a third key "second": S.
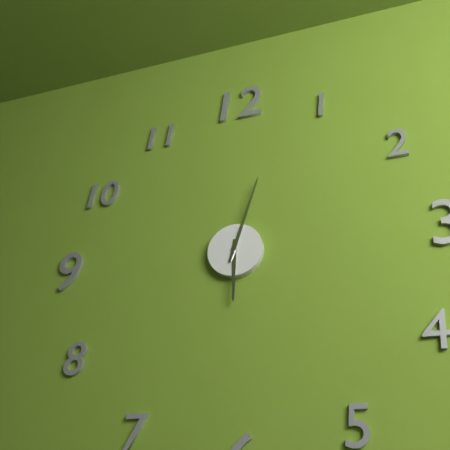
{"hour": 6, "minute": 3}
